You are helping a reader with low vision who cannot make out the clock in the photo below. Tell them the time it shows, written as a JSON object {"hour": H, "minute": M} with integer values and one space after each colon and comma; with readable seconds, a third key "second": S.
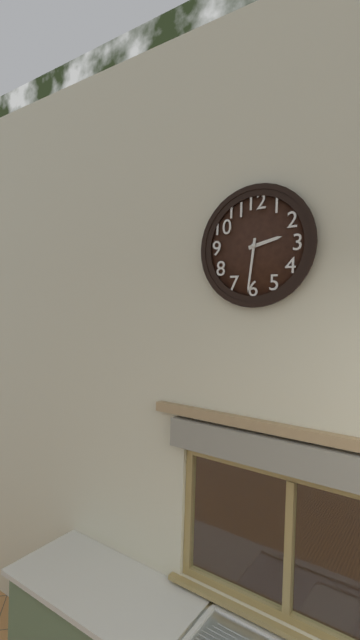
{"hour": 2, "minute": 31}
